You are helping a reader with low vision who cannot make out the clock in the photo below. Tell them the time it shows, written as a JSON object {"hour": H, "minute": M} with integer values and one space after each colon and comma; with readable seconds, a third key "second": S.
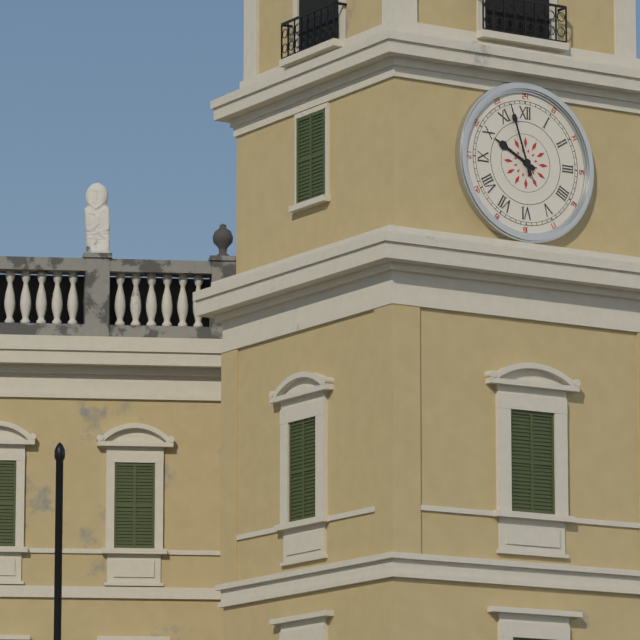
{"hour": 9, "minute": 57}
